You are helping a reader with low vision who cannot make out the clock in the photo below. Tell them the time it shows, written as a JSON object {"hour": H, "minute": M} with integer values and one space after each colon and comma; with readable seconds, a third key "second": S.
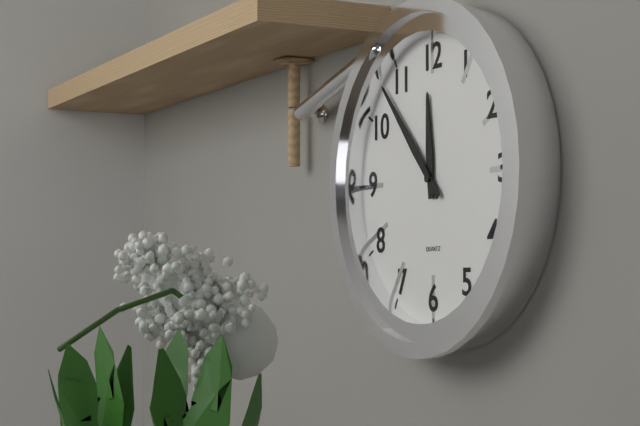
{"hour": 11, "minute": 53}
